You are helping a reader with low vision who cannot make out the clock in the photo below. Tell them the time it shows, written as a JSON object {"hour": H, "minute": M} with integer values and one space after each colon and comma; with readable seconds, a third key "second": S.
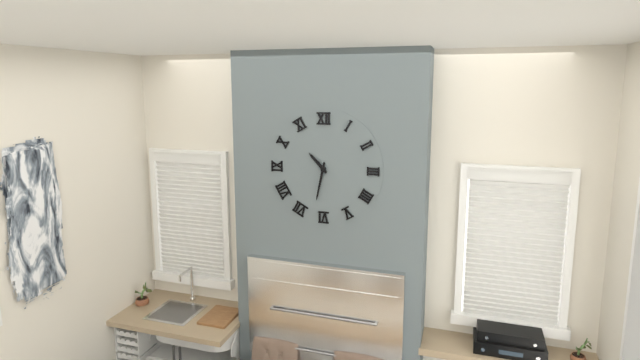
{"hour": 10, "minute": 32}
